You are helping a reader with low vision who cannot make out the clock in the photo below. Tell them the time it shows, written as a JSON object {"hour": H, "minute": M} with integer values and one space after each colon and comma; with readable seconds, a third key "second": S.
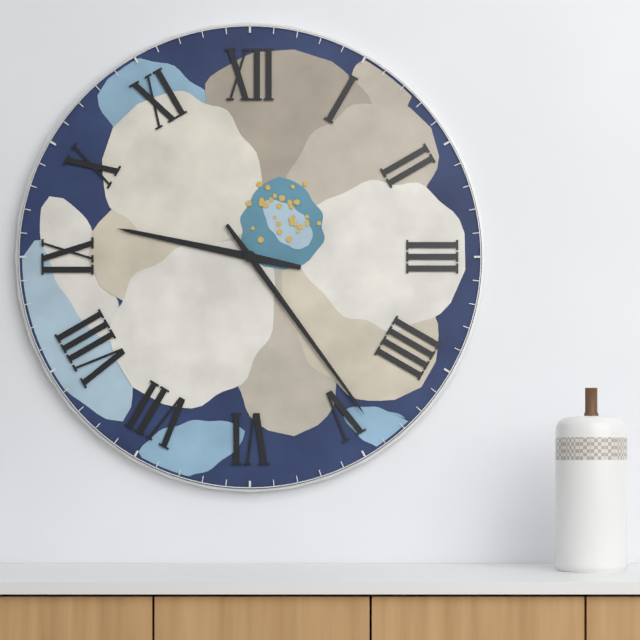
{"hour": 9, "minute": 24}
